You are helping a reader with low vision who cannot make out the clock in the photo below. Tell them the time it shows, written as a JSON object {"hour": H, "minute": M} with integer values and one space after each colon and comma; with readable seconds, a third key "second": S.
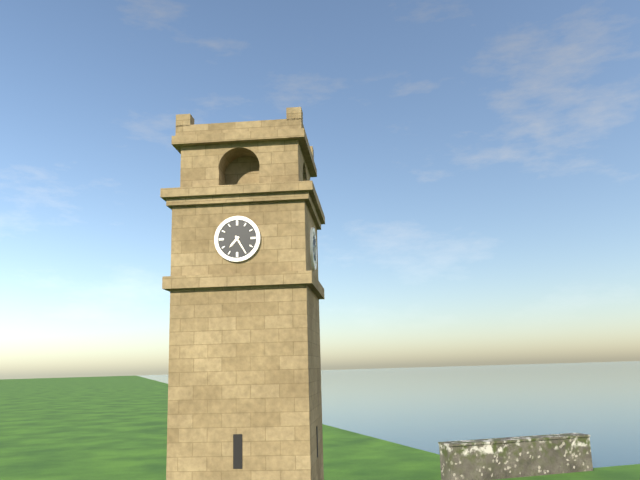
{"hour": 7, "minute": 25}
